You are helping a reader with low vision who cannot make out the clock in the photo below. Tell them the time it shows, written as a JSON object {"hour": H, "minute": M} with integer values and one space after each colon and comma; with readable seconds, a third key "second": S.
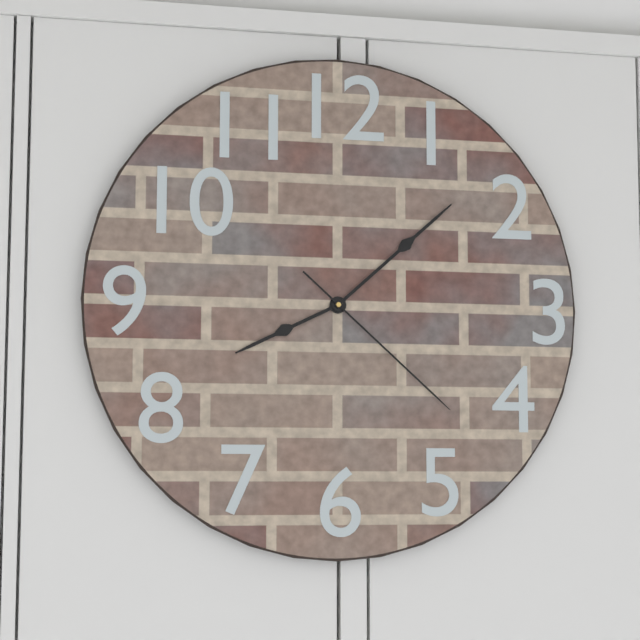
{"hour": 8, "minute": 8, "second": 22}
